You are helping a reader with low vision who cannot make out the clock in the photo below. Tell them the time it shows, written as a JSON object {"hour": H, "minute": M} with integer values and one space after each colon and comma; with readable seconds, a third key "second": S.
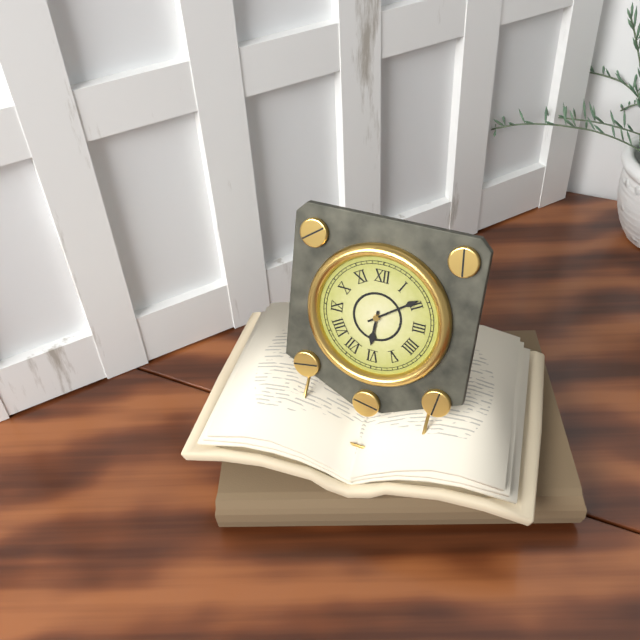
{"hour": 6, "minute": 9}
